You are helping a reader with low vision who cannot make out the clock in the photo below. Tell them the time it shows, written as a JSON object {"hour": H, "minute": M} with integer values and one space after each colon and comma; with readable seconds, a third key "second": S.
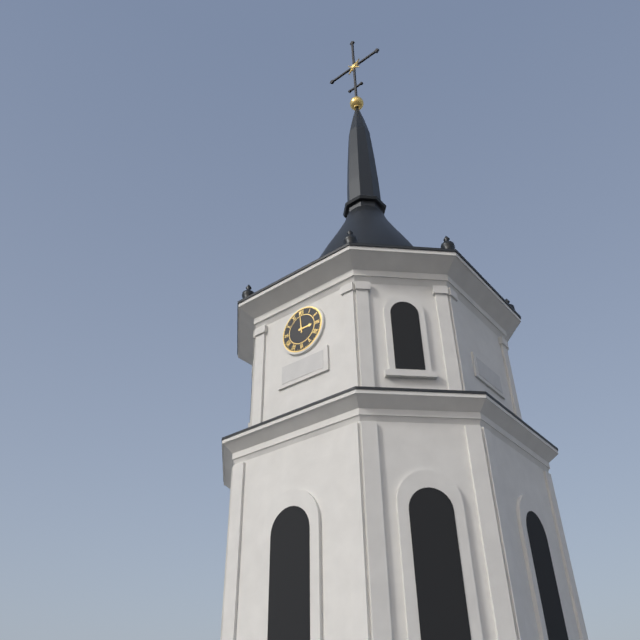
{"hour": 2, "minute": 59}
